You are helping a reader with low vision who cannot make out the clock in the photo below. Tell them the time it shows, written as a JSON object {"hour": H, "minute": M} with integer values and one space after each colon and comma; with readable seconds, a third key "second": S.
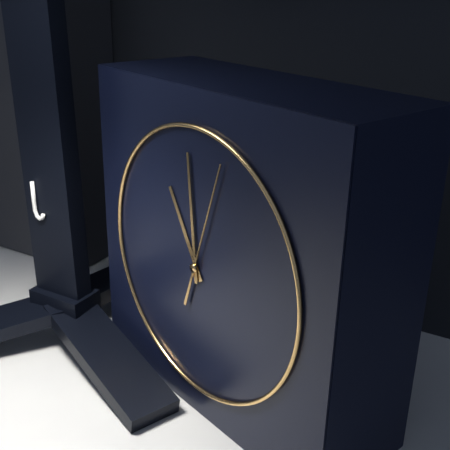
{"hour": 10, "minute": 59, "second": 3}
